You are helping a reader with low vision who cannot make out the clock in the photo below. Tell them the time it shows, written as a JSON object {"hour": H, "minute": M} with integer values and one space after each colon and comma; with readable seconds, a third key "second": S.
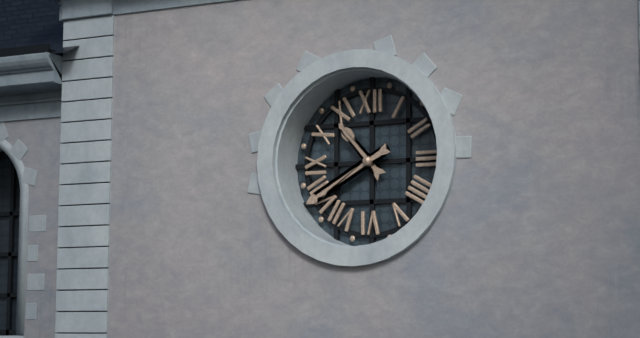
{"hour": 10, "minute": 40}
